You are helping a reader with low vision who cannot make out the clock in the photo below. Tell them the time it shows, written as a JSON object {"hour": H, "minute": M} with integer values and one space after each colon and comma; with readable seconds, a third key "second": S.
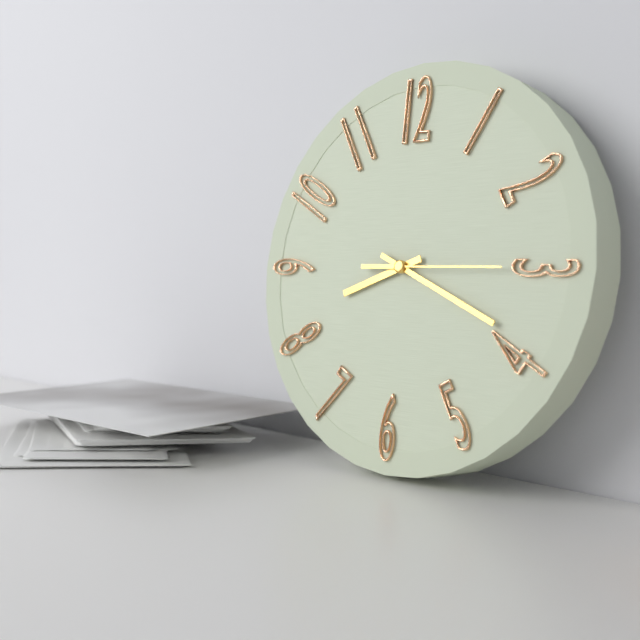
{"hour": 8, "minute": 19, "second": 15}
